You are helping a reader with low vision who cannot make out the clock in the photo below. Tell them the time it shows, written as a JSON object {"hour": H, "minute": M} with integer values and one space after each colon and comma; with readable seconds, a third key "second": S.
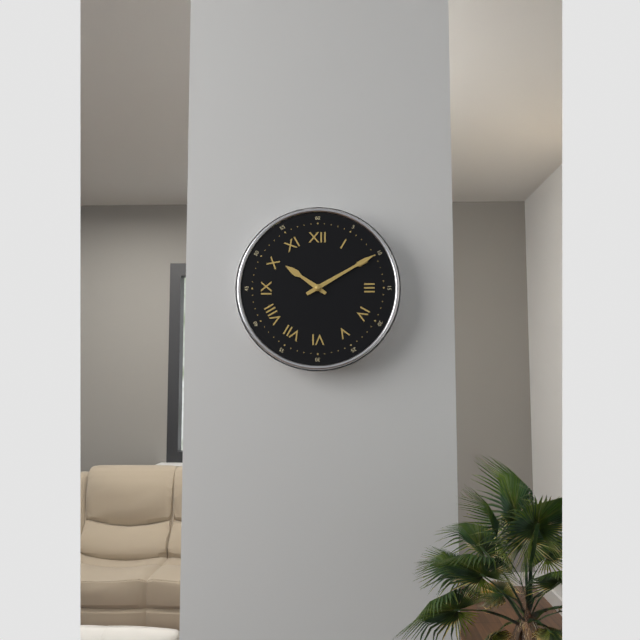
{"hour": 10, "minute": 10}
